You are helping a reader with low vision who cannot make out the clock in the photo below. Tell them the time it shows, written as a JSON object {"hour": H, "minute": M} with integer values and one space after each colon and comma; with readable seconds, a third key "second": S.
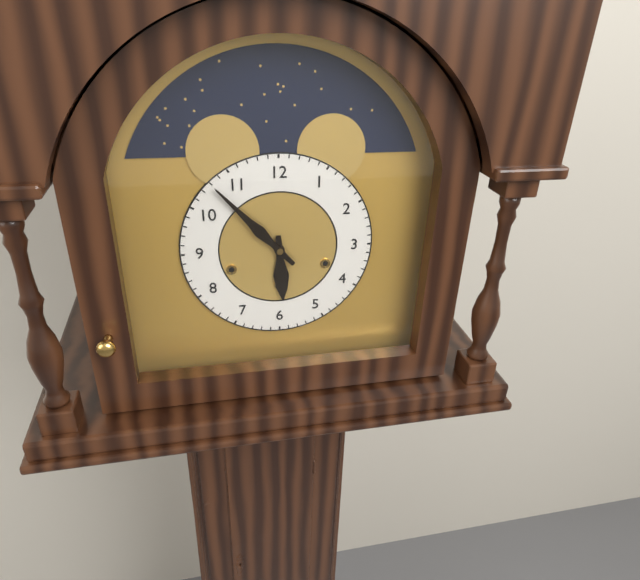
{"hour": 5, "minute": 53}
